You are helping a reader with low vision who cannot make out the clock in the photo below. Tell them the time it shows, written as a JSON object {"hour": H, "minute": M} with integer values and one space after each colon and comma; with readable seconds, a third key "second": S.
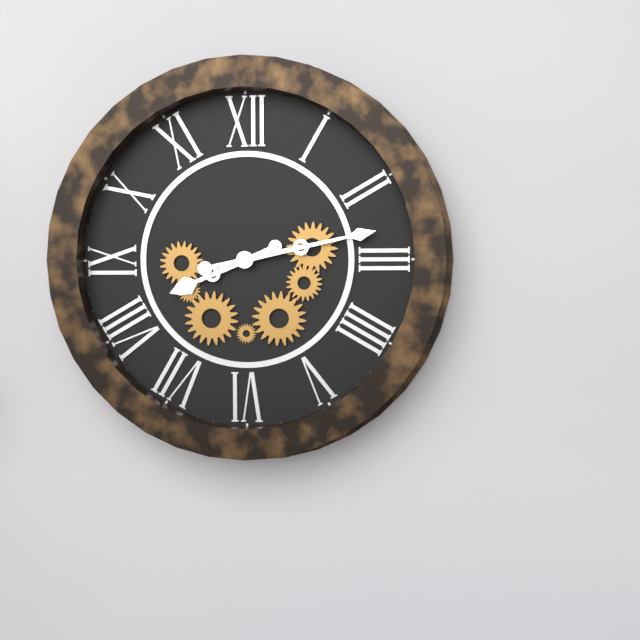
{"hour": 8, "minute": 13}
